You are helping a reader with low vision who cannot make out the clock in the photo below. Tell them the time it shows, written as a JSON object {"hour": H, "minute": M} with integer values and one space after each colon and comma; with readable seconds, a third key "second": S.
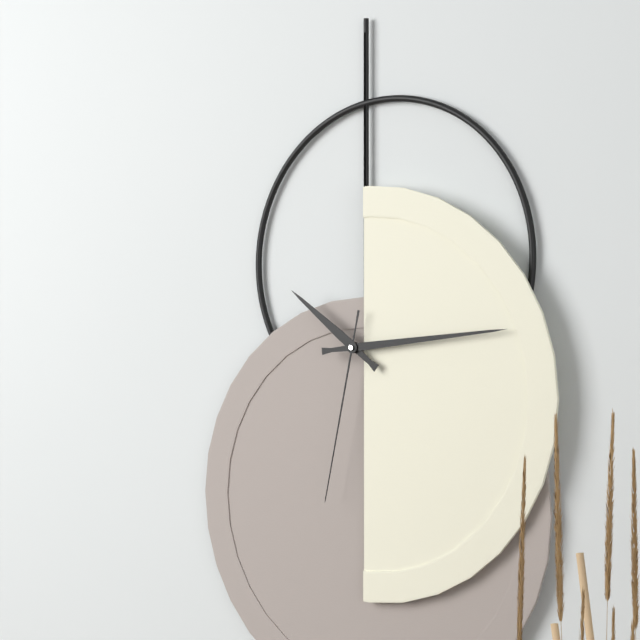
{"hour": 10, "minute": 14, "second": 32}
